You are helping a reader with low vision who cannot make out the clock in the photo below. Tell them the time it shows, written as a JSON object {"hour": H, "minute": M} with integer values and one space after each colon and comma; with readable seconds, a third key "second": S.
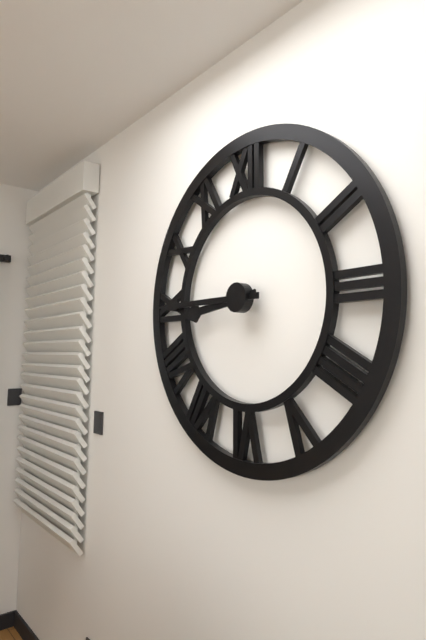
{"hour": 8, "minute": 45}
